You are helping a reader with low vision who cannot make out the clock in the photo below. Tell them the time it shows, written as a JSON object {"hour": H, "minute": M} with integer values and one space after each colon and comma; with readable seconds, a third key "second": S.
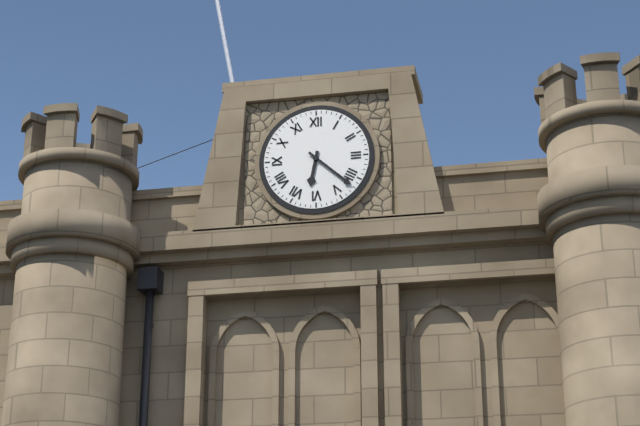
{"hour": 6, "minute": 22}
